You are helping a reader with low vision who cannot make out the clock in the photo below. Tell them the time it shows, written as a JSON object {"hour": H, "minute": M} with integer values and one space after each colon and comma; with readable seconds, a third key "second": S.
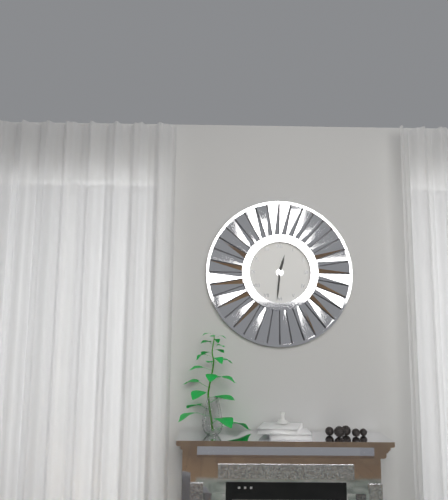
{"hour": 12, "minute": 31}
